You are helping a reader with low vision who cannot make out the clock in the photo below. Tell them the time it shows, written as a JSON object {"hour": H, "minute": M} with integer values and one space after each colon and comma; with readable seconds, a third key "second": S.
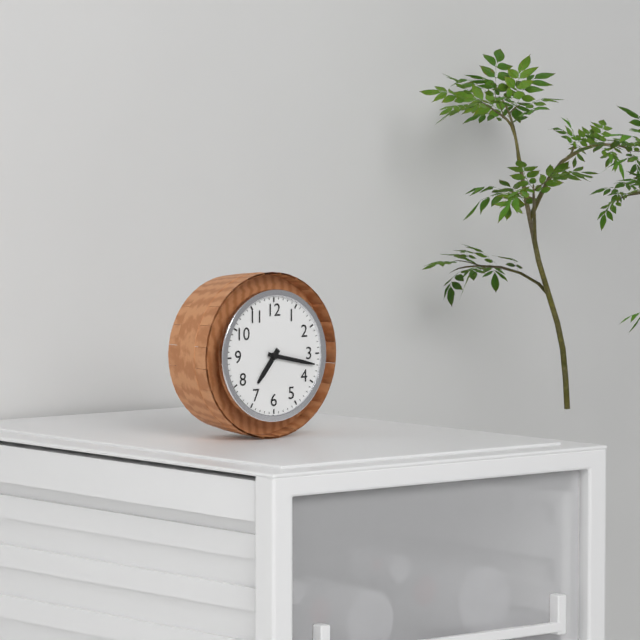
{"hour": 7, "minute": 17}
